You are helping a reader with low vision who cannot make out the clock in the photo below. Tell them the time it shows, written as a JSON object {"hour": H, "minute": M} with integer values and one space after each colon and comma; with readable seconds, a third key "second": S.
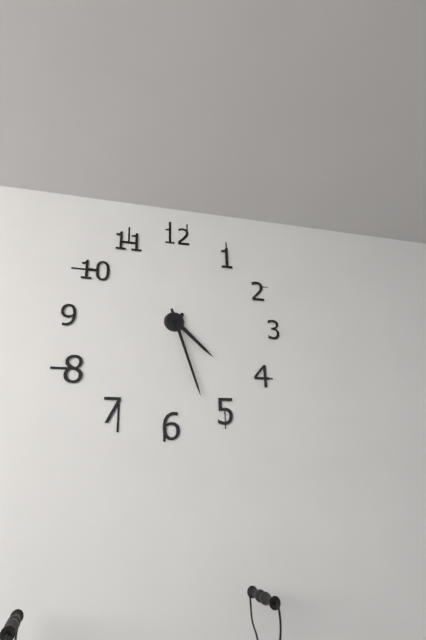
{"hour": 4, "minute": 27}
